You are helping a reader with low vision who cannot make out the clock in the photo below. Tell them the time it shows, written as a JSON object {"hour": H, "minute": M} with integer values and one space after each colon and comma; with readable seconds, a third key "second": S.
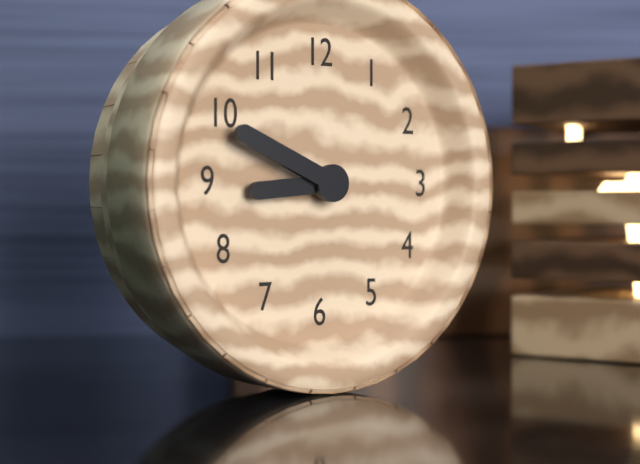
{"hour": 8, "minute": 49}
